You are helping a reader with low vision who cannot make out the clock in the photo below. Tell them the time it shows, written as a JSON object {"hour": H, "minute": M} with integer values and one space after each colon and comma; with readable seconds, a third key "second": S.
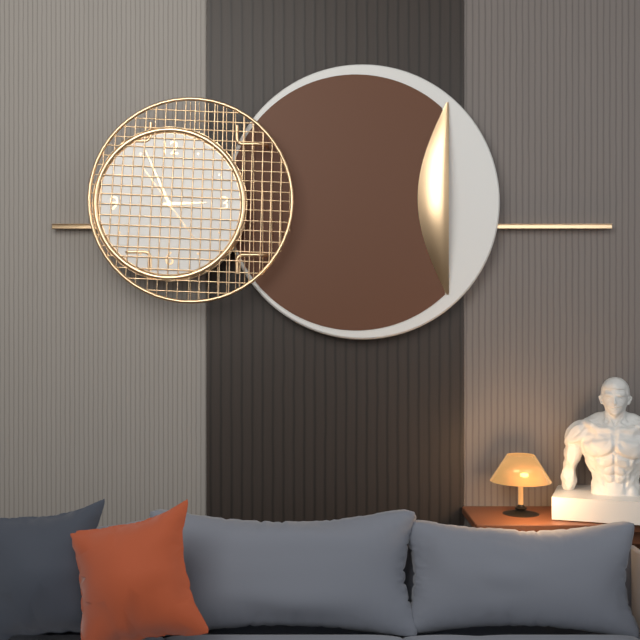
{"hour": 2, "minute": 56, "second": 24}
